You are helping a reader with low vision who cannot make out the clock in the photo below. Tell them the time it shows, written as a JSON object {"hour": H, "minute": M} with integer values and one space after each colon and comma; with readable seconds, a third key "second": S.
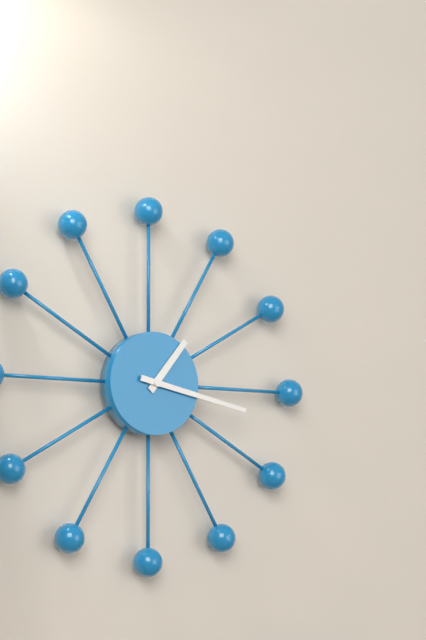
{"hour": 1, "minute": 17}
